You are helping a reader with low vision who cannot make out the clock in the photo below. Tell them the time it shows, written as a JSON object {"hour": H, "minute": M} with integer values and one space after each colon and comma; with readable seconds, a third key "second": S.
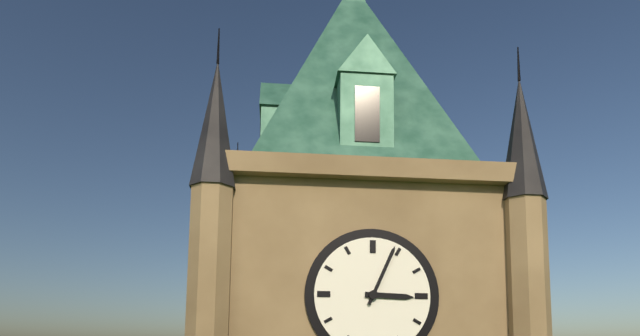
{"hour": 3, "minute": 4}
